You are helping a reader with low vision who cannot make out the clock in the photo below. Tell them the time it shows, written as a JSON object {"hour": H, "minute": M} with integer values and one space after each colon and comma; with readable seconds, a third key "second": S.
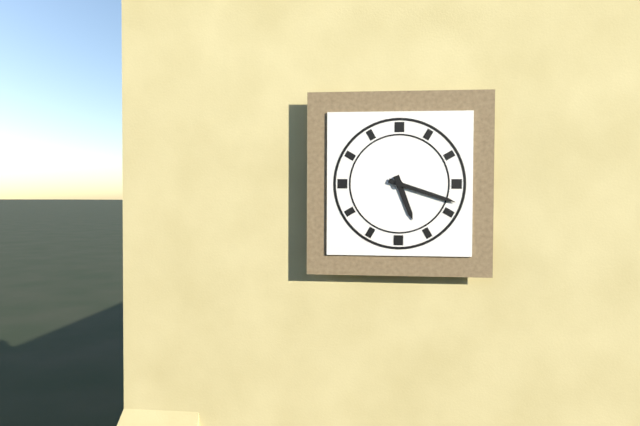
{"hour": 5, "minute": 18}
